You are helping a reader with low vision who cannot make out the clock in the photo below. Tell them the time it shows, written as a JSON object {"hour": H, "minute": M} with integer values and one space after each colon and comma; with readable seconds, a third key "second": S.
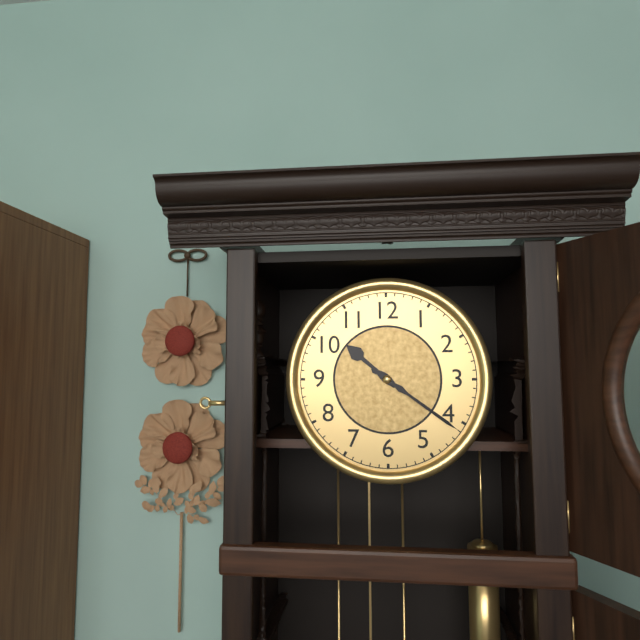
{"hour": 10, "minute": 21}
